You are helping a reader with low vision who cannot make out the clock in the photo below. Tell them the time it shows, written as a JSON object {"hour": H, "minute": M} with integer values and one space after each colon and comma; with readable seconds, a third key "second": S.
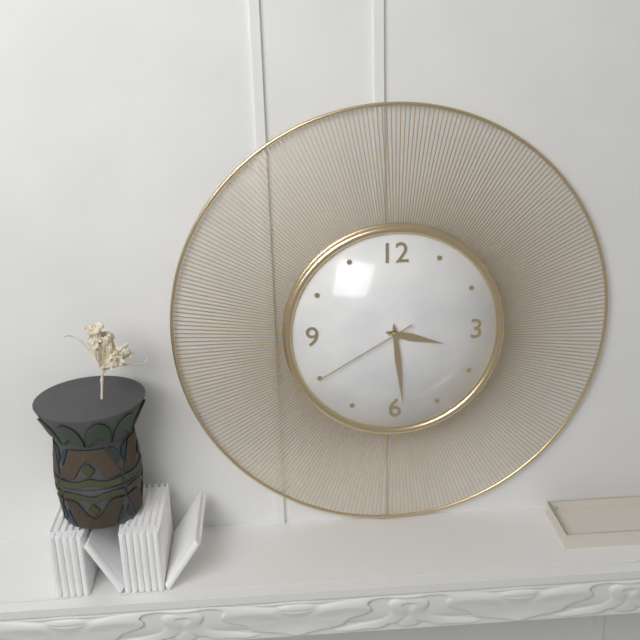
{"hour": 3, "minute": 29, "second": 40}
